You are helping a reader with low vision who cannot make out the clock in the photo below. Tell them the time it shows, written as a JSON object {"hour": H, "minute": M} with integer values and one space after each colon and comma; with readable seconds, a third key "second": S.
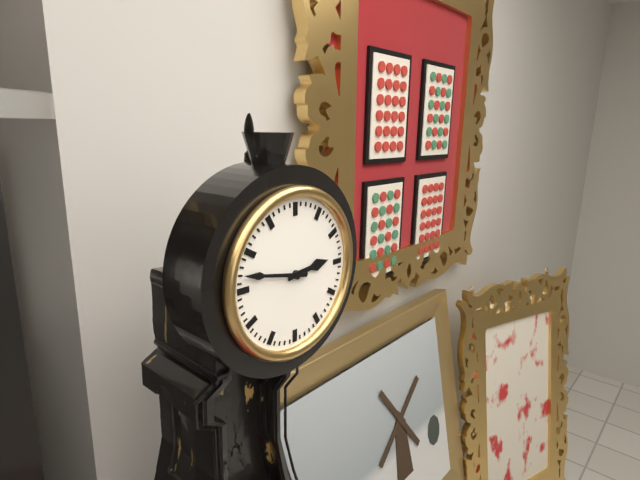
{"hour": 2, "minute": 47}
